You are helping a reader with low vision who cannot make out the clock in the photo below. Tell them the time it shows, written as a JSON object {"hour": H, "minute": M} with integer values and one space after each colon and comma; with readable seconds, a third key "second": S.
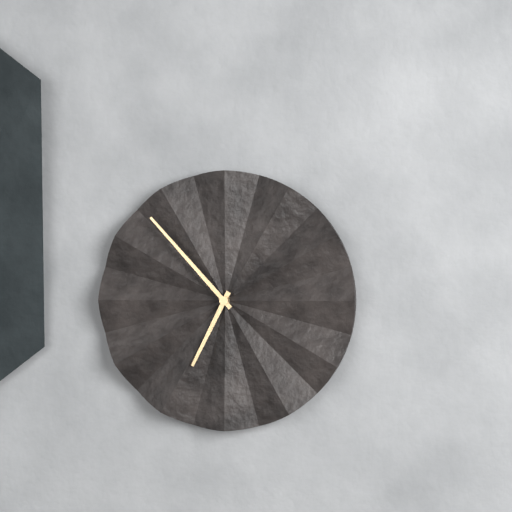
{"hour": 6, "minute": 53}
